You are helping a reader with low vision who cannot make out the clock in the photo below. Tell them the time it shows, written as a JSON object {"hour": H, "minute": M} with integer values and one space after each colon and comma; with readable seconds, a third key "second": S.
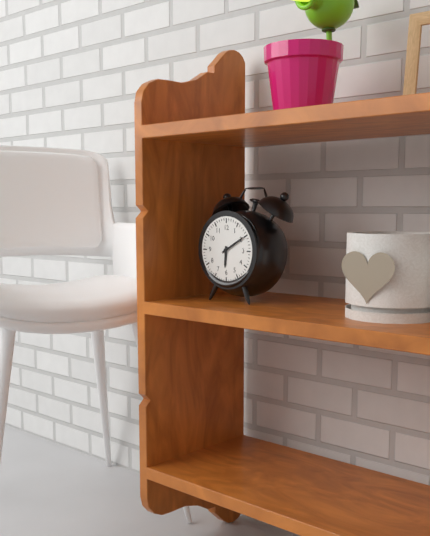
{"hour": 6, "minute": 10}
